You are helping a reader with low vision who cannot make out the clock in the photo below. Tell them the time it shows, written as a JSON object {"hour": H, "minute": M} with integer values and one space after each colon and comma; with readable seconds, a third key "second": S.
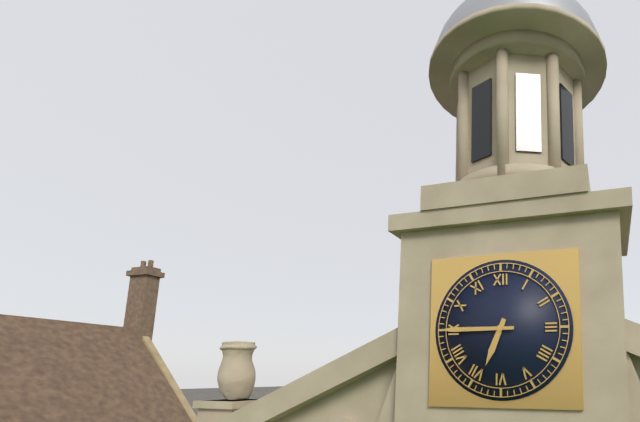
{"hour": 6, "minute": 45}
